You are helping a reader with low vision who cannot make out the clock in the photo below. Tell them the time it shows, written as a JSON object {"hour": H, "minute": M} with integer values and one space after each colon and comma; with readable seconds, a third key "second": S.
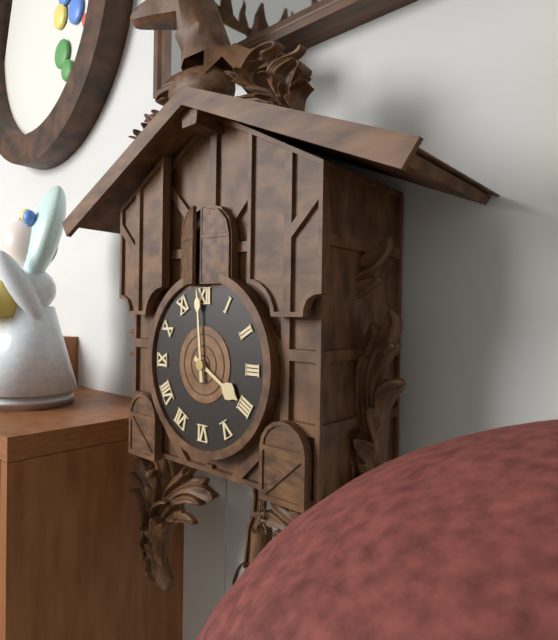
{"hour": 3, "minute": 59}
